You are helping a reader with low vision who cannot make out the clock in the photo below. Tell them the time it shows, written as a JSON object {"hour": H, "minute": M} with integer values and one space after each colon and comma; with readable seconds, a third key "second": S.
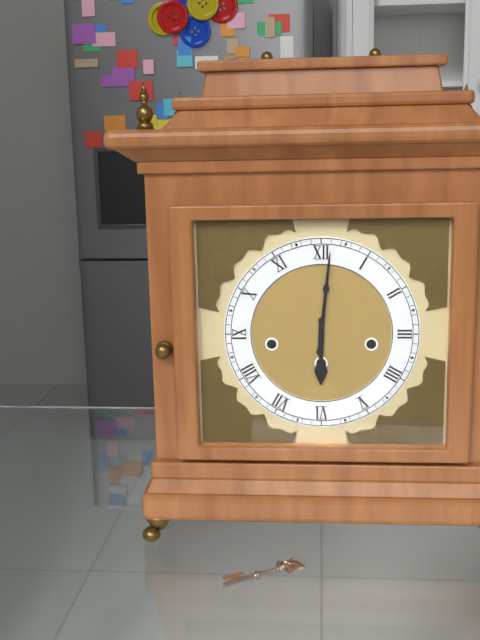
{"hour": 6, "minute": 1}
